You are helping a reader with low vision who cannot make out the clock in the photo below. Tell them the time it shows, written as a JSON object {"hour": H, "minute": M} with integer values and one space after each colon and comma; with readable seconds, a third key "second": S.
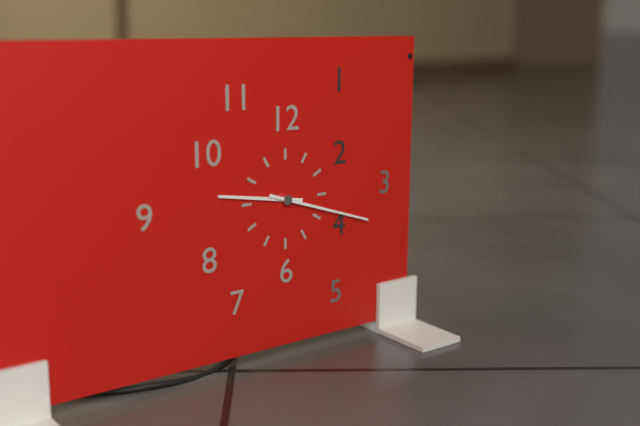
{"hour": 9, "minute": 18}
